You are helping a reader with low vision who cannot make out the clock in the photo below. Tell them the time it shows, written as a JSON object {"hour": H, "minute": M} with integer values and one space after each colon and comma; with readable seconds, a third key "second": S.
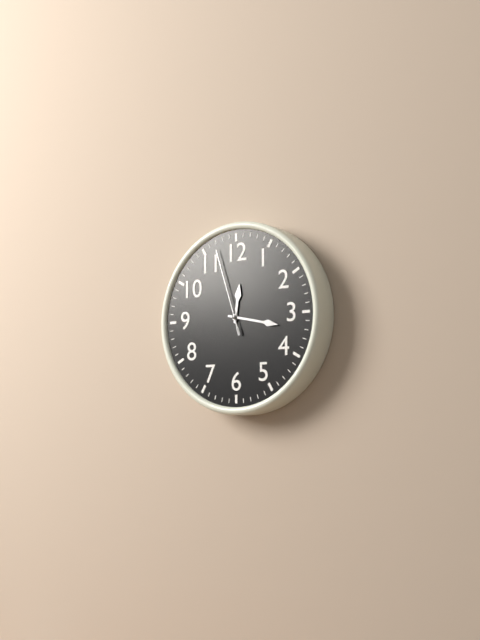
{"hour": 12, "minute": 17, "second": 57}
